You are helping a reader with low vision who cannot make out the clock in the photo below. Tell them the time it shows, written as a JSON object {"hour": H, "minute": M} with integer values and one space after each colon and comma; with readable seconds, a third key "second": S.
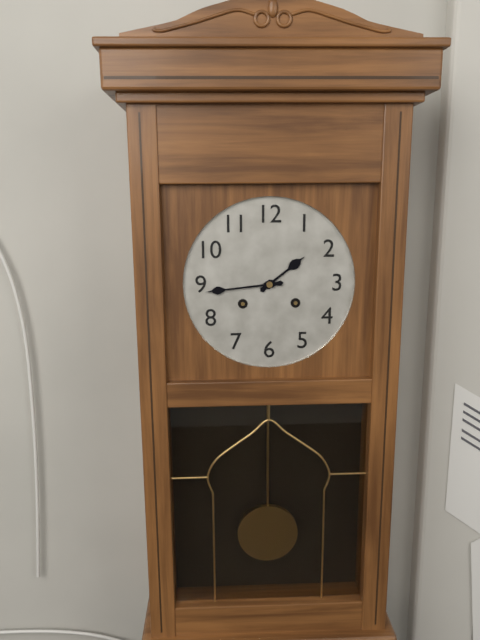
{"hour": 1, "minute": 44}
